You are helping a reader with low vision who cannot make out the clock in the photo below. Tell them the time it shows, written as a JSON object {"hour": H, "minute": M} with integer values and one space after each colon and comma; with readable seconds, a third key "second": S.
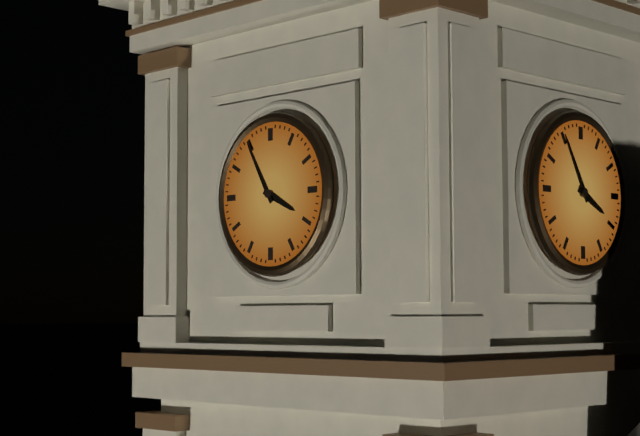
{"hour": 3, "minute": 55}
